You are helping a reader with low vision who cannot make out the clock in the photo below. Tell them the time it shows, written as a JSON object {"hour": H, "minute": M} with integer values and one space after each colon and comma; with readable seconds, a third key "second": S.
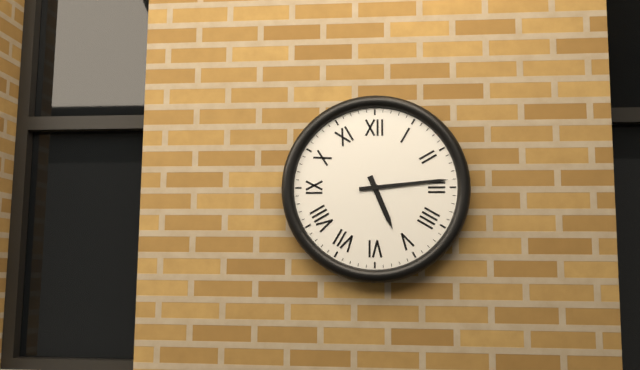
{"hour": 5, "minute": 14}
